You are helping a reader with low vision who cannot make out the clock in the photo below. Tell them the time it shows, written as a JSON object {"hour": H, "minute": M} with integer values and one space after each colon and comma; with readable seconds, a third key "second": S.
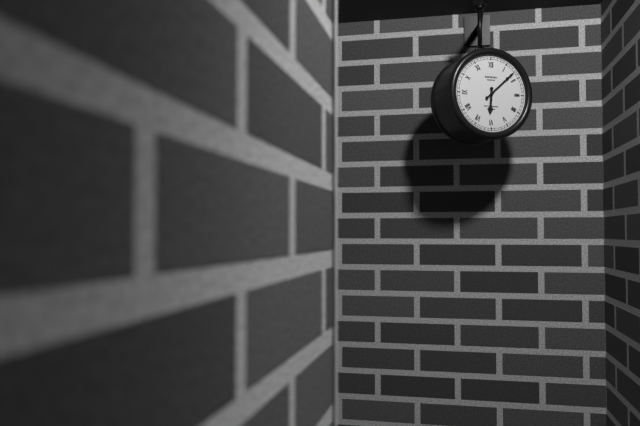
{"hour": 6, "minute": 8}
